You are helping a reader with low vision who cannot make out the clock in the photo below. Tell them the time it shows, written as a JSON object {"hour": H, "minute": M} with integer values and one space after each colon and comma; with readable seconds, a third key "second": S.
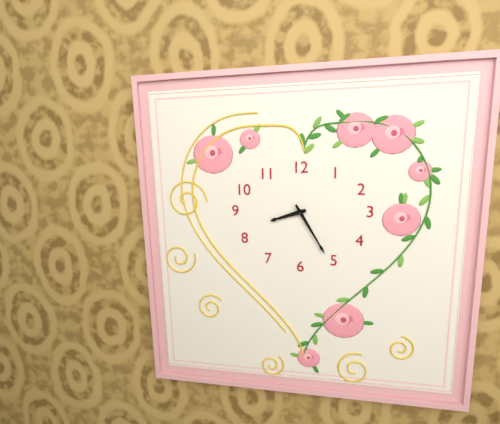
{"hour": 8, "minute": 25}
